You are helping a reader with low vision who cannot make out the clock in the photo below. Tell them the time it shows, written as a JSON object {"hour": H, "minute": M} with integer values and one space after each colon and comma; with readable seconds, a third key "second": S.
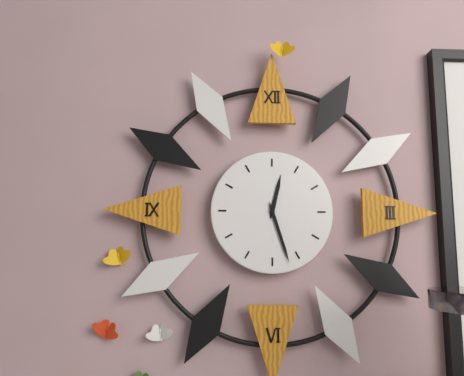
{"hour": 12, "minute": 27}
